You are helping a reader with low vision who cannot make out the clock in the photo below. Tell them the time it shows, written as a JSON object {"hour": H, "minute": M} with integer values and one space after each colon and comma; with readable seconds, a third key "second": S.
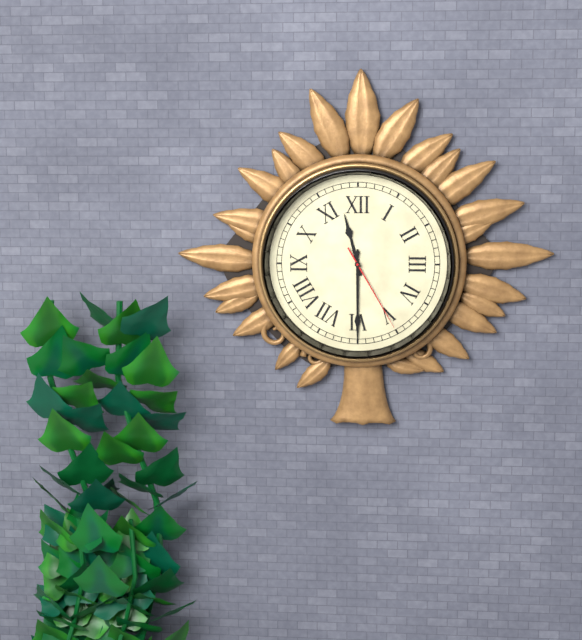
{"hour": 11, "minute": 30, "second": 25}
